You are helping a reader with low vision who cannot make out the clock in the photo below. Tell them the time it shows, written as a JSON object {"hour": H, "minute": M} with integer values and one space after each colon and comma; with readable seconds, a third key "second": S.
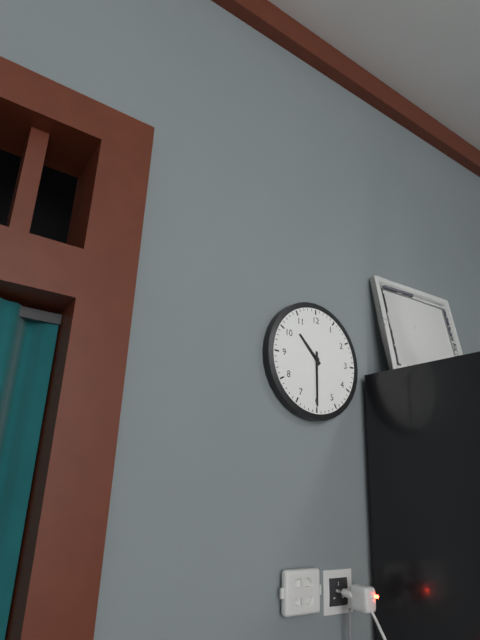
{"hour": 10, "minute": 30}
